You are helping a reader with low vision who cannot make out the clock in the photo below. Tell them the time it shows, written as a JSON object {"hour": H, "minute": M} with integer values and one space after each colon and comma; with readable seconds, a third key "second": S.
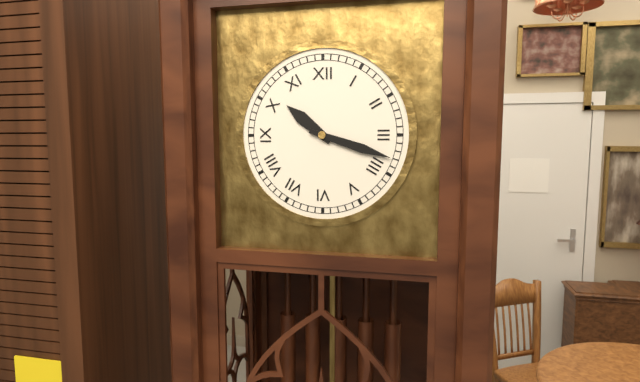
{"hour": 10, "minute": 18}
